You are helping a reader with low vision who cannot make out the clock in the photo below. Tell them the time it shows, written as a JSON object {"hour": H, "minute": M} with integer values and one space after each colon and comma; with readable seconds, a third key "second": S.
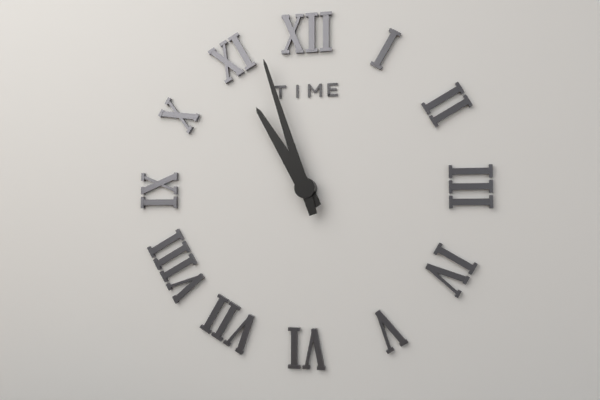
{"hour": 10, "minute": 57}
